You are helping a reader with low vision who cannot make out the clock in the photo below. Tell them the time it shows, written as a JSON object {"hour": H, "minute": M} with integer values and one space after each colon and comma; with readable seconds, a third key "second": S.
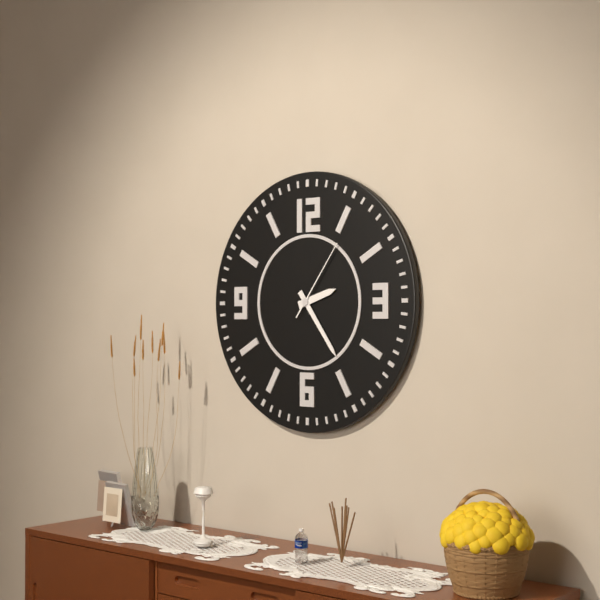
{"hour": 2, "minute": 24, "second": 6}
